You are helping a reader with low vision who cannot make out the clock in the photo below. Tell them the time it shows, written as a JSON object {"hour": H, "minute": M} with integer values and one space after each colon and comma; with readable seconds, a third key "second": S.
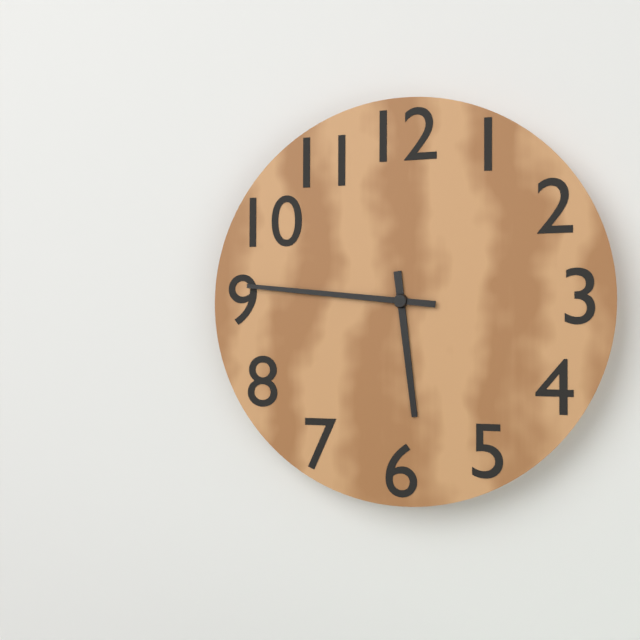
{"hour": 5, "minute": 46}
